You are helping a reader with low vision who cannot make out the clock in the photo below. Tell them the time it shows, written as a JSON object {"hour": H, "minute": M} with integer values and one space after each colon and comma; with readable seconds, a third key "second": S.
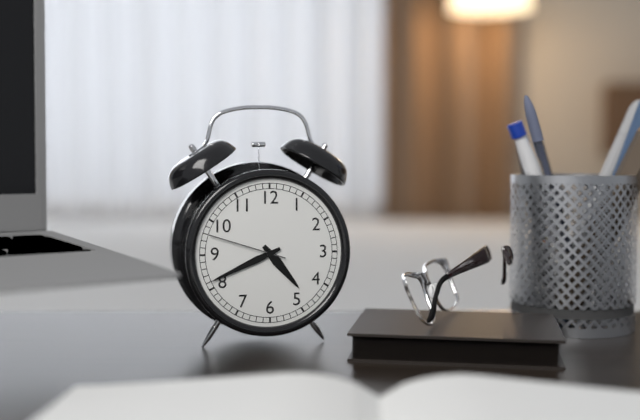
{"hour": 4, "minute": 41, "second": 48}
